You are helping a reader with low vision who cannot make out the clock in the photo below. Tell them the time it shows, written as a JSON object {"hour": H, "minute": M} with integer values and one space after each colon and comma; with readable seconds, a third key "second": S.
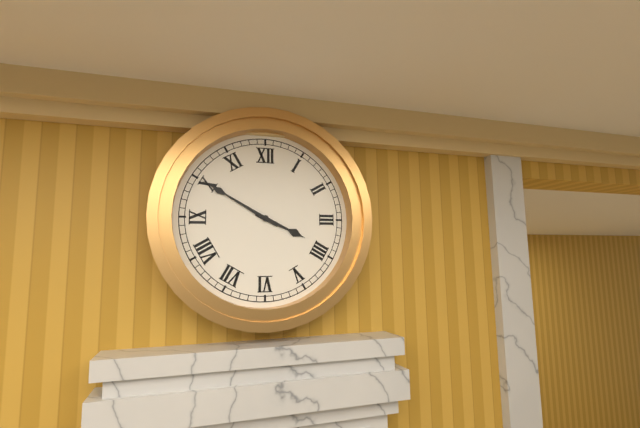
{"hour": 3, "minute": 50}
